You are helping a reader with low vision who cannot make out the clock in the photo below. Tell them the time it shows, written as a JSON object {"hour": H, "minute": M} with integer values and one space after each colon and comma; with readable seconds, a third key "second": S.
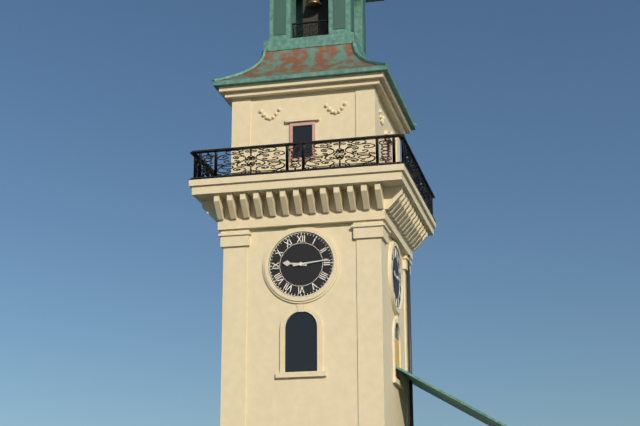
{"hour": 9, "minute": 14}
